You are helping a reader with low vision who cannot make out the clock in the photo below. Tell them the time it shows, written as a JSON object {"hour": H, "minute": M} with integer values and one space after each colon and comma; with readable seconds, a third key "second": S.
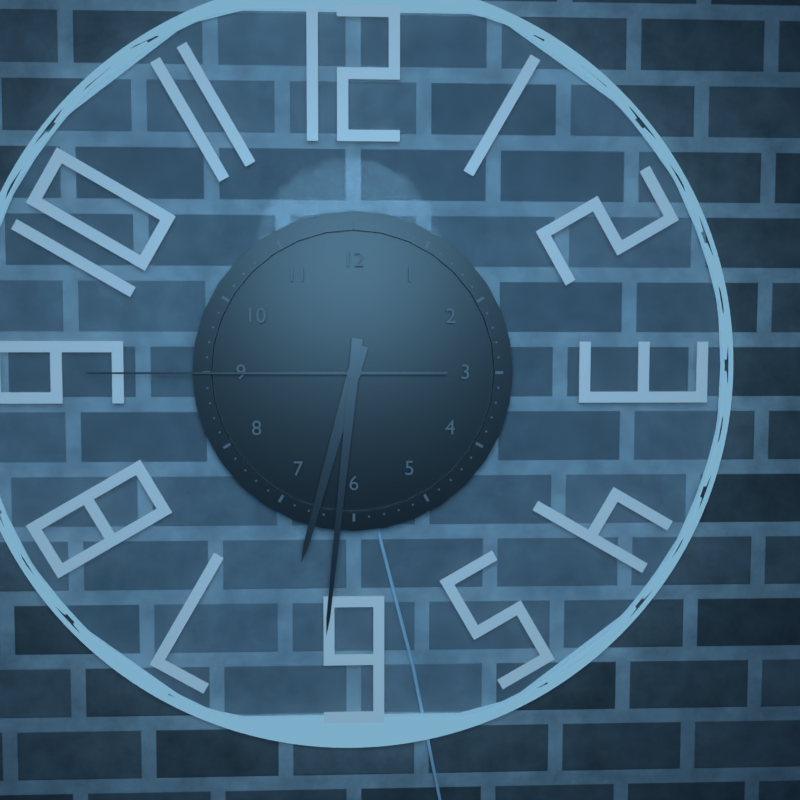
{"hour": 6, "minute": 31, "second": 45}
